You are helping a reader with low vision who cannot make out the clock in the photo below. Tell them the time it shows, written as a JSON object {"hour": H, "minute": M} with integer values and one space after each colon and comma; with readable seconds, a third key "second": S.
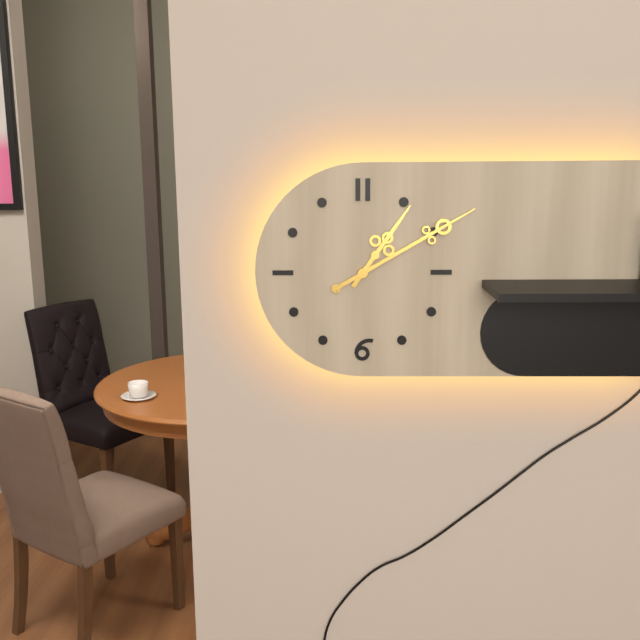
{"hour": 1, "minute": 10}
